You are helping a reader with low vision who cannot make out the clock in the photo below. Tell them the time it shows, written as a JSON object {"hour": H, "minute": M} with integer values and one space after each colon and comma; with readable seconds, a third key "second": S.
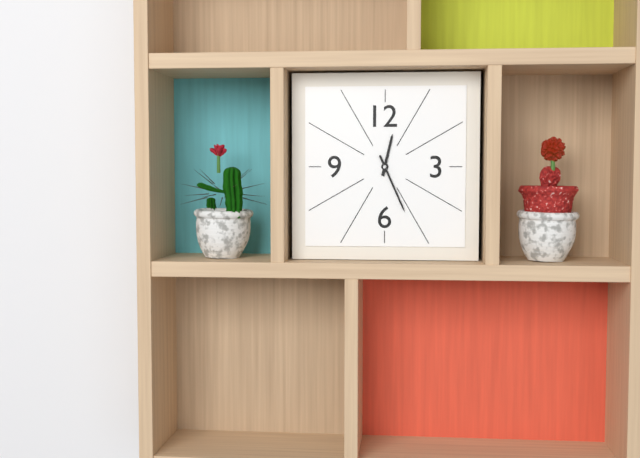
{"hour": 12, "minute": 26}
